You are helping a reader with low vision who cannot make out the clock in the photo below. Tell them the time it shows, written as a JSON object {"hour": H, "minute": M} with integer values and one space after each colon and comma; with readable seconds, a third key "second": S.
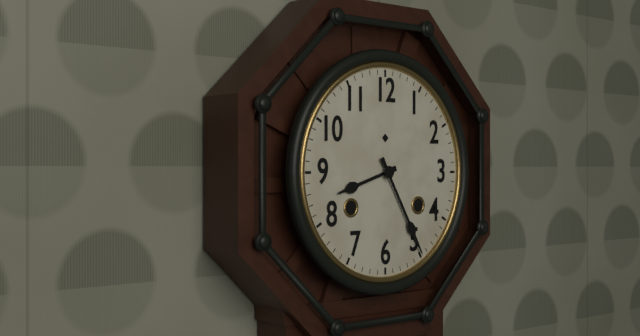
{"hour": 8, "minute": 25}
